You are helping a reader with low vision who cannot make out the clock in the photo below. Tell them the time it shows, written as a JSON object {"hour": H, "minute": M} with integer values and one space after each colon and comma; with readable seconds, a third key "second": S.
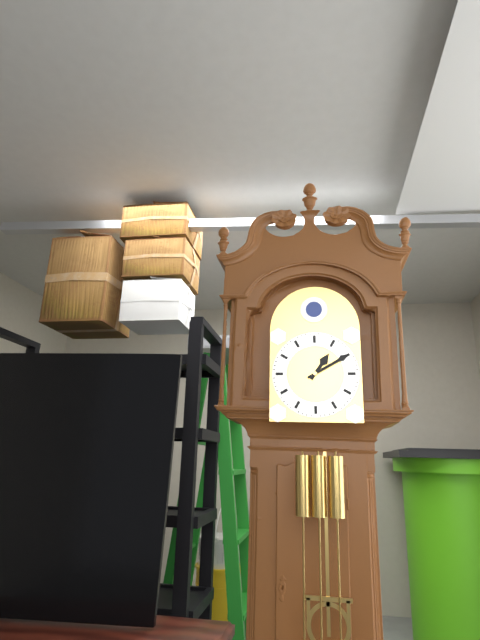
{"hour": 1, "minute": 10}
